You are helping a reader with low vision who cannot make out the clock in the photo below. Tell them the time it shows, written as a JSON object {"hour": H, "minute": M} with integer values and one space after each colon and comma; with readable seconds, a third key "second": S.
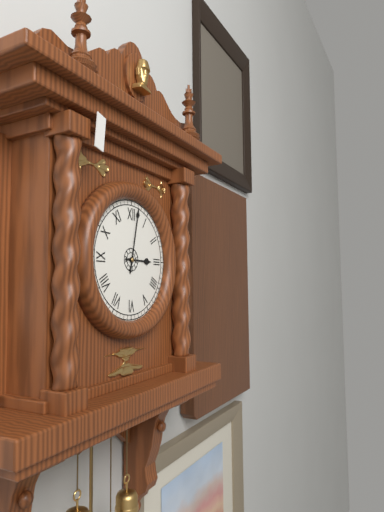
{"hour": 3, "minute": 2}
